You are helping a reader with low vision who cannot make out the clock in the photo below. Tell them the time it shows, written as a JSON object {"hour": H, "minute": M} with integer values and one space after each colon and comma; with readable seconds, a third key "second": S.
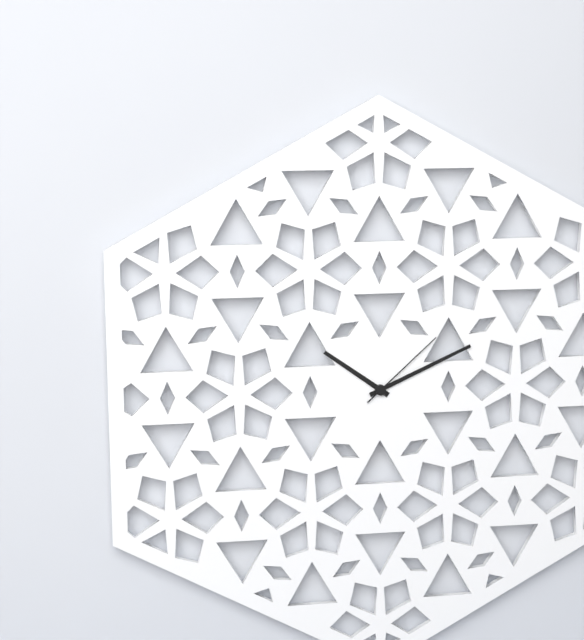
{"hour": 10, "minute": 11, "second": 8}
